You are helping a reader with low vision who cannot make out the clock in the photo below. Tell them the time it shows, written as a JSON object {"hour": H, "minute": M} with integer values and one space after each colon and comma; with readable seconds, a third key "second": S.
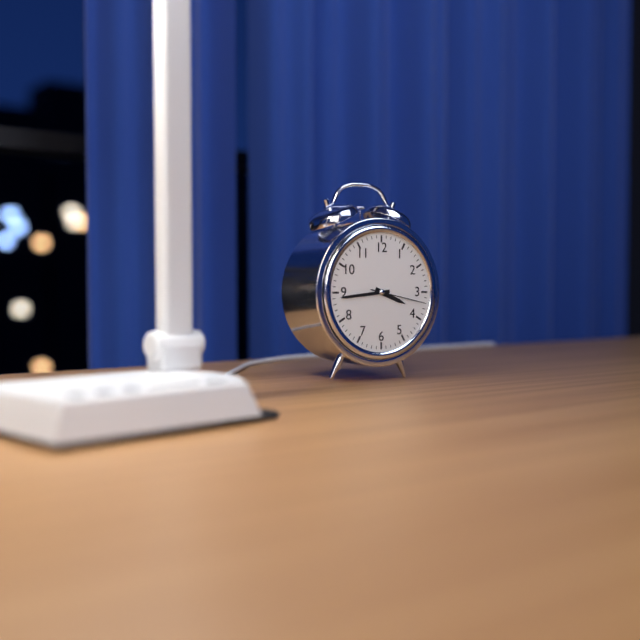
{"hour": 3, "minute": 44, "second": 17}
